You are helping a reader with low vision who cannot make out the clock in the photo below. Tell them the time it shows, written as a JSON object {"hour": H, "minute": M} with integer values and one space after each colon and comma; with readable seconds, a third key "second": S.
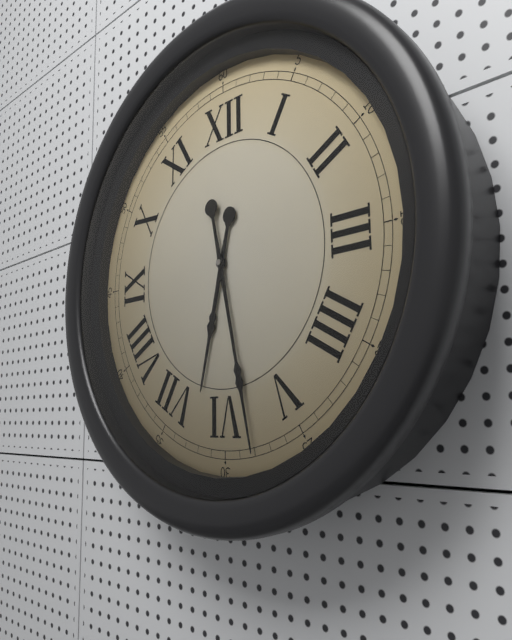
{"hour": 6, "minute": 28}
